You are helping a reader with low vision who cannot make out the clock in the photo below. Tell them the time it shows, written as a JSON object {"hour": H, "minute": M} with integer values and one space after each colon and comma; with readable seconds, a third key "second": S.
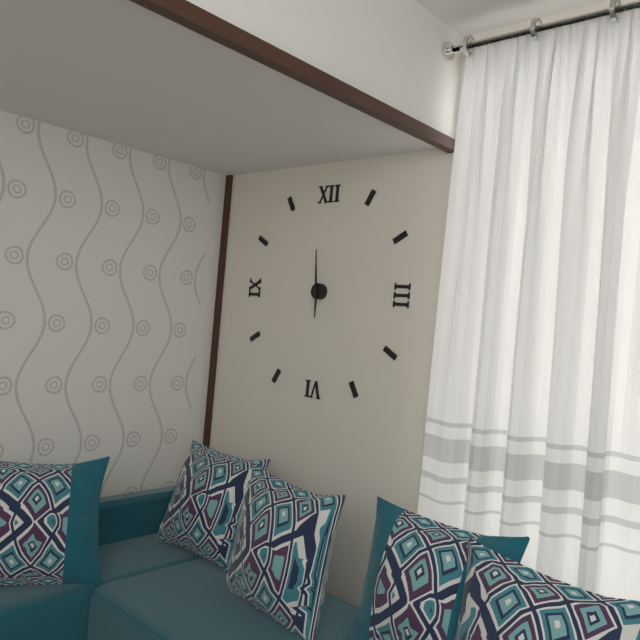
{"hour": 5, "minute": 59}
